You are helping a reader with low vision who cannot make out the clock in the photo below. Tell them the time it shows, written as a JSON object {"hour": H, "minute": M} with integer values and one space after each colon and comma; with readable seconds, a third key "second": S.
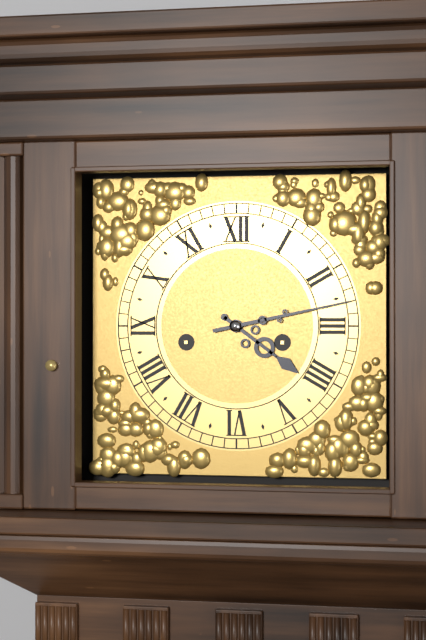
{"hour": 4, "minute": 13}
